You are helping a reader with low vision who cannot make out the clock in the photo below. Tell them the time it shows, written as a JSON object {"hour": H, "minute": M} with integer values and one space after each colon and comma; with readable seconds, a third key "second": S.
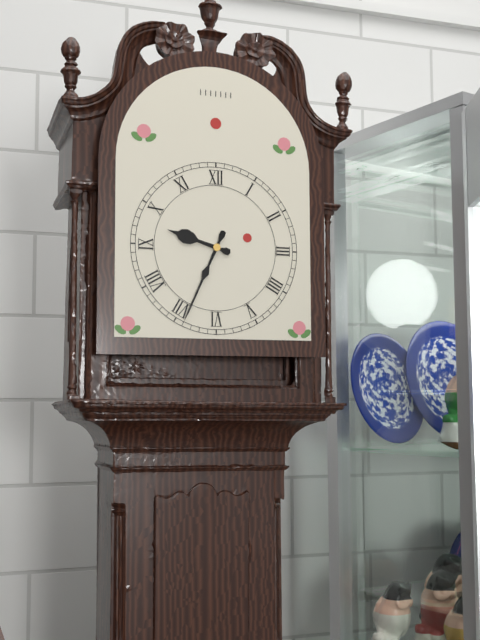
{"hour": 9, "minute": 34}
